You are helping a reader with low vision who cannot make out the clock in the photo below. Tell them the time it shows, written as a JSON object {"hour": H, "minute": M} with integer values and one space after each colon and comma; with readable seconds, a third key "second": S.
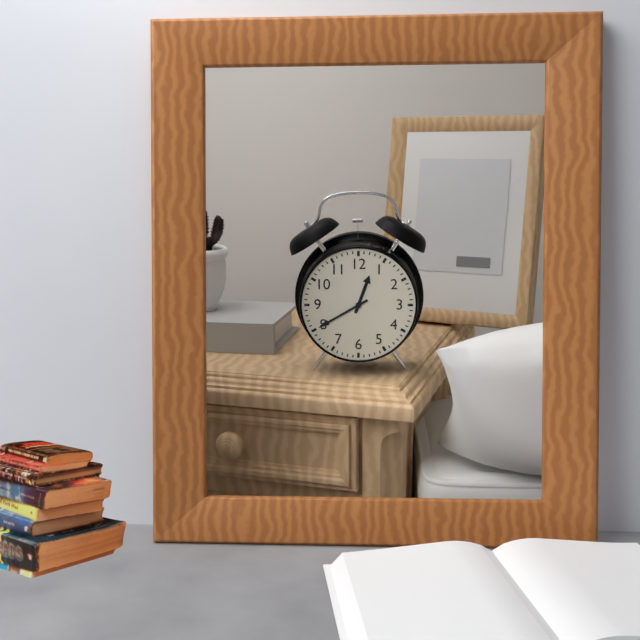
{"hour": 12, "minute": 40}
